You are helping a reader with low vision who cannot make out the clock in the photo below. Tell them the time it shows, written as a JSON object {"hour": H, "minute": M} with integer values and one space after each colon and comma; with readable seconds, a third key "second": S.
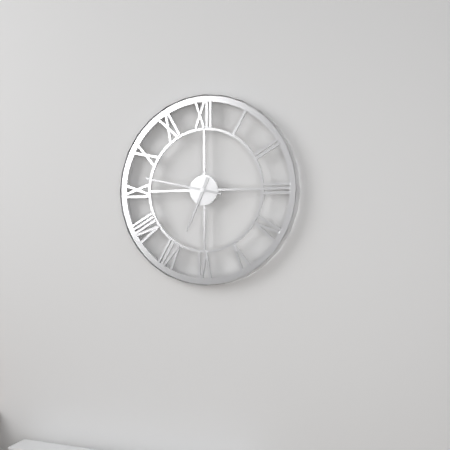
{"hour": 6, "minute": 47}
